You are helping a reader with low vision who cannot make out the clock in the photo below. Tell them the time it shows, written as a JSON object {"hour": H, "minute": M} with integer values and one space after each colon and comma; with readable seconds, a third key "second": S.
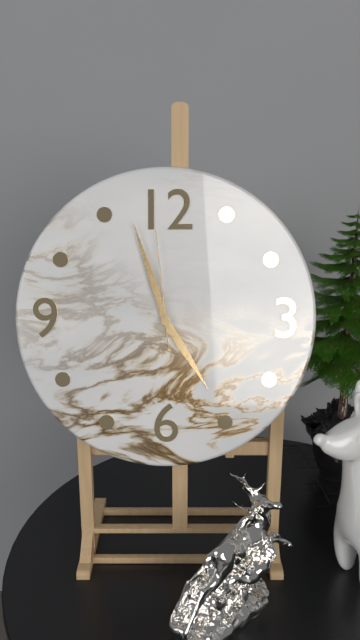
{"hour": 4, "minute": 57, "second": 59}
